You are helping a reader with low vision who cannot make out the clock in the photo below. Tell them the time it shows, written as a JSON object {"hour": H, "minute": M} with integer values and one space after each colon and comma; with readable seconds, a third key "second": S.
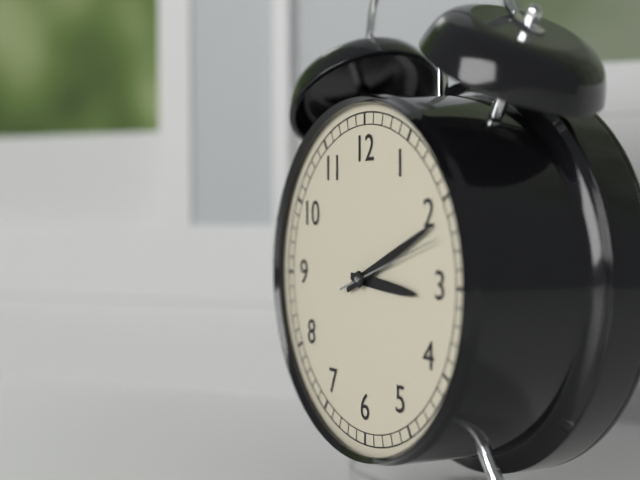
{"hour": 3, "minute": 11, "second": 12}
